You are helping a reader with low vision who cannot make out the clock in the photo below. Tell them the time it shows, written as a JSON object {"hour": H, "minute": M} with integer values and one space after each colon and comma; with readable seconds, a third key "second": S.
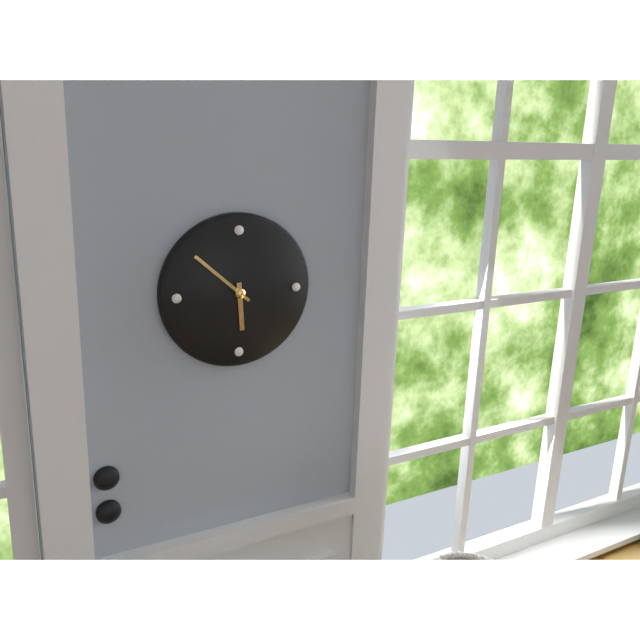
{"hour": 5, "minute": 52}
